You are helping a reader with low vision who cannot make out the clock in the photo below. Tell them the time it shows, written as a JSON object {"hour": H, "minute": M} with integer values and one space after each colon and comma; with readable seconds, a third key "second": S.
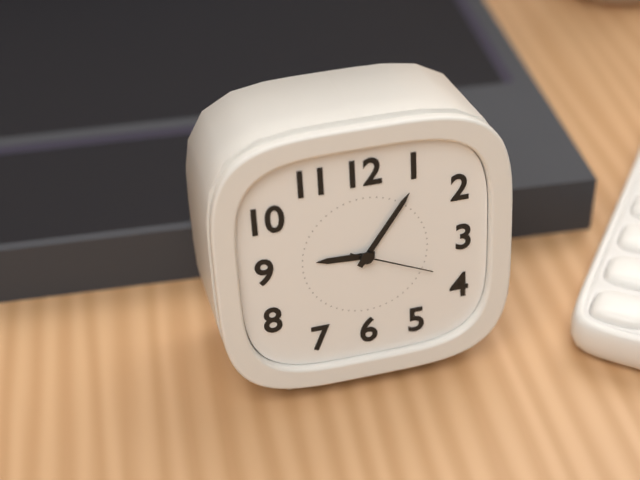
{"hour": 9, "minute": 6, "second": 19}
